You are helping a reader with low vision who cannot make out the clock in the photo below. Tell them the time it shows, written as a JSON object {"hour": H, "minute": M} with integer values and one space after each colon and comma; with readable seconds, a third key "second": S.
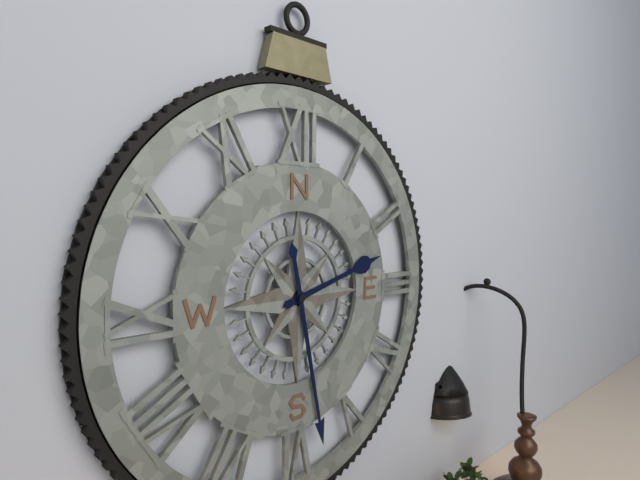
{"hour": 2, "minute": 28}
